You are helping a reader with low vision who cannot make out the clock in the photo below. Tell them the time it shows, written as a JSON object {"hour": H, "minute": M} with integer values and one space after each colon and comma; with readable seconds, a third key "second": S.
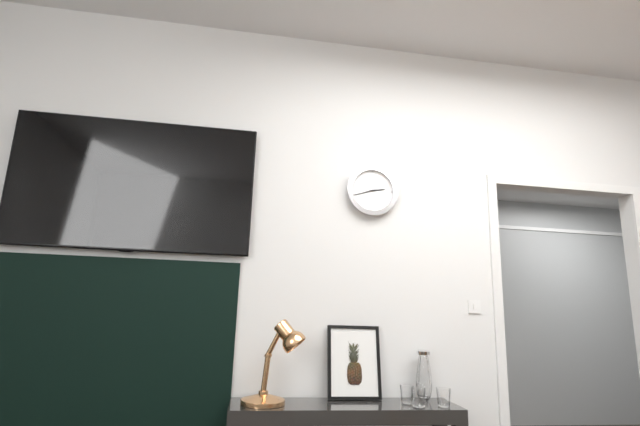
{"hour": 2, "minute": 42}
